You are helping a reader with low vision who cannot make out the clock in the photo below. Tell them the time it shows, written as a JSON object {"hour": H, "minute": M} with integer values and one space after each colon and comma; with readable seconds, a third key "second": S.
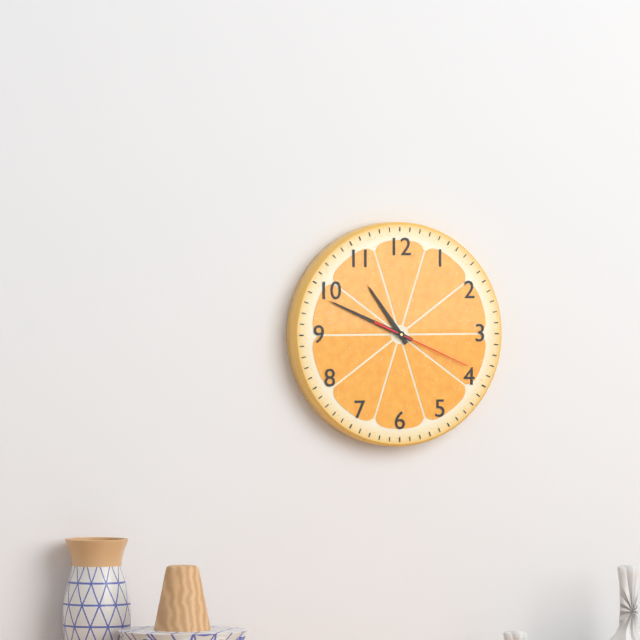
{"hour": 10, "minute": 49, "second": 19}
